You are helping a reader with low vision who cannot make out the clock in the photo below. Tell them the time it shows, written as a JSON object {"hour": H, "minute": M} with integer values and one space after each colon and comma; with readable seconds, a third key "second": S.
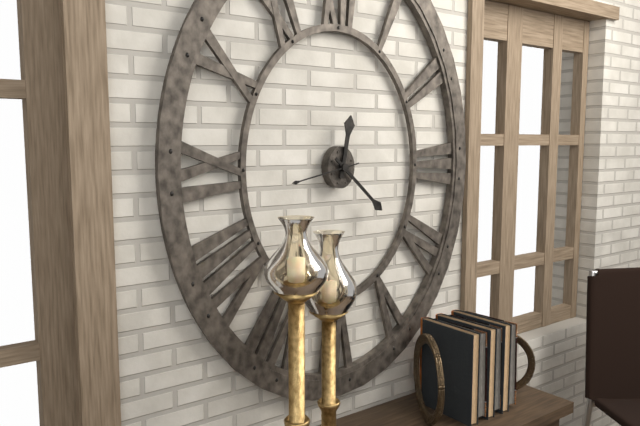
{"hour": 12, "minute": 22, "second": 43}
